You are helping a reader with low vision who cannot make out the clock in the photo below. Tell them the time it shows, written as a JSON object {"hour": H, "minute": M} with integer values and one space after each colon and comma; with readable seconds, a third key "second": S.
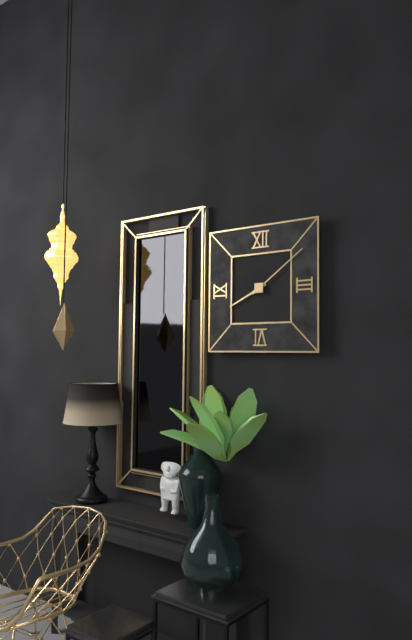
{"hour": 8, "minute": 9}
